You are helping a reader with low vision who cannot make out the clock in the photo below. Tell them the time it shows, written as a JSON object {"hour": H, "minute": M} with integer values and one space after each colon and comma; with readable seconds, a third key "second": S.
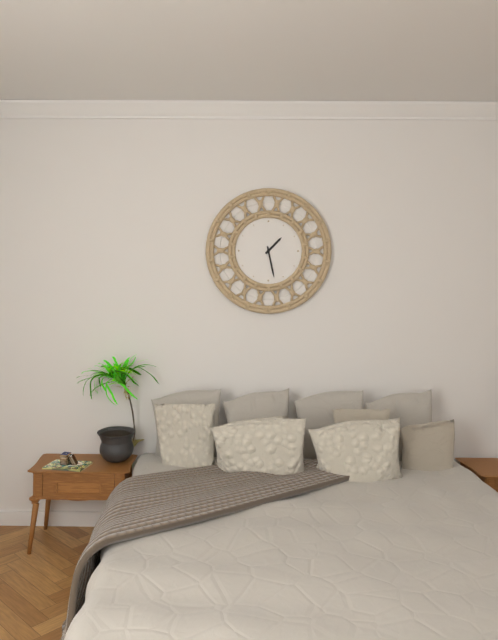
{"hour": 1, "minute": 28}
